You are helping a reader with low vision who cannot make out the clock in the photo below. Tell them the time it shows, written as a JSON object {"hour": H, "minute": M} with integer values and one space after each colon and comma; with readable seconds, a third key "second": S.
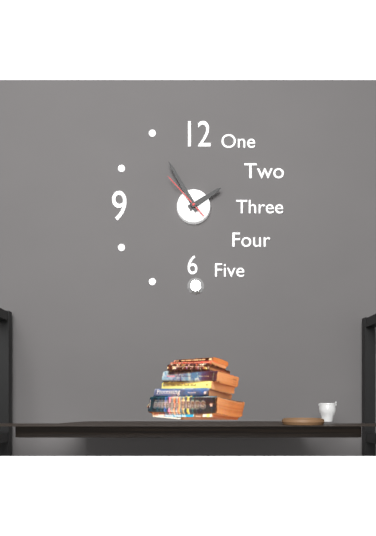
{"hour": 1, "minute": 55}
